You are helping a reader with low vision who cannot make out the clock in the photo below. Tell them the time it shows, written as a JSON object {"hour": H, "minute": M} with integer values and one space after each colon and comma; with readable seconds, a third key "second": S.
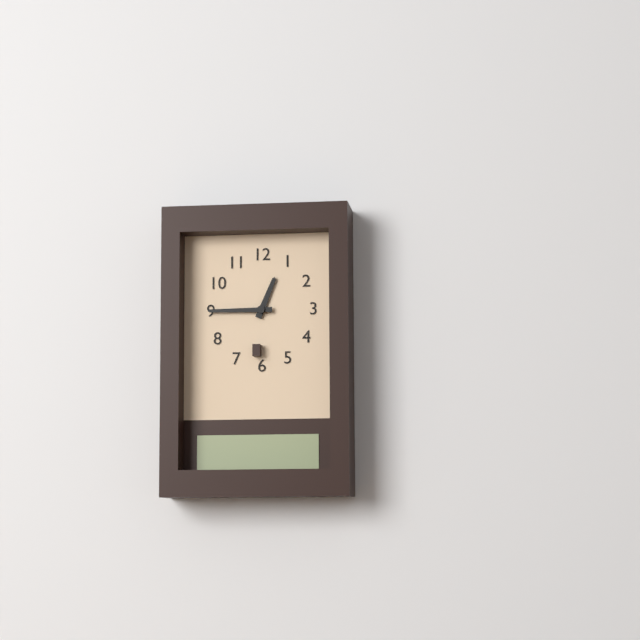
{"hour": 12, "minute": 45}
